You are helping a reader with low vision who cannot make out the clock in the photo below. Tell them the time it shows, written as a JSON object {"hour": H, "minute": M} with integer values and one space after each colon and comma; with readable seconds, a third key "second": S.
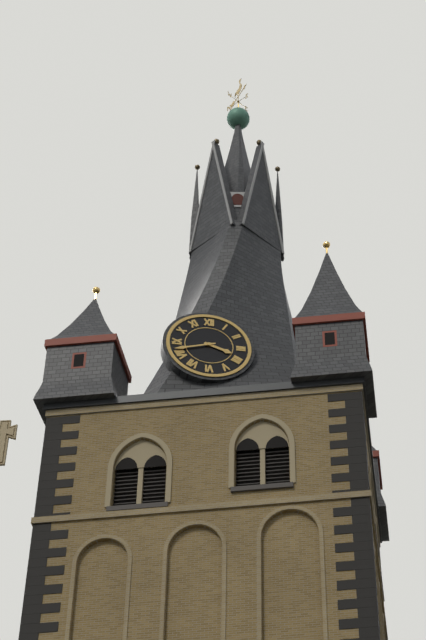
{"hour": 3, "minute": 42}
